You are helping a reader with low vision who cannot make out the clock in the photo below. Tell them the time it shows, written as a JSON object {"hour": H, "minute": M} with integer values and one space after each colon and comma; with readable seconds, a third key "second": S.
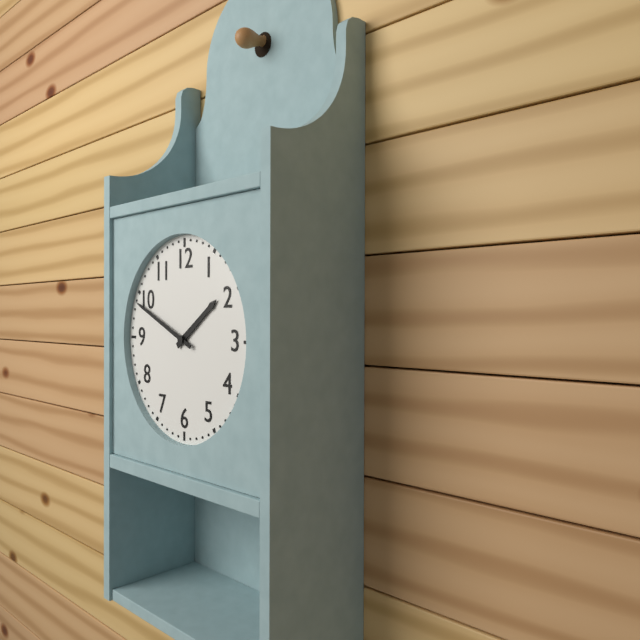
{"hour": 1, "minute": 49}
